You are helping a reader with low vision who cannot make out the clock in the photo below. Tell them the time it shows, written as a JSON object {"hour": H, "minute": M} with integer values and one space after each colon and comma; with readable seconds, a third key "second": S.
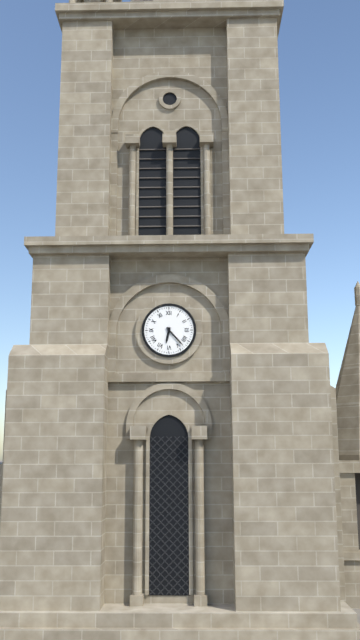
{"hour": 6, "minute": 23}
